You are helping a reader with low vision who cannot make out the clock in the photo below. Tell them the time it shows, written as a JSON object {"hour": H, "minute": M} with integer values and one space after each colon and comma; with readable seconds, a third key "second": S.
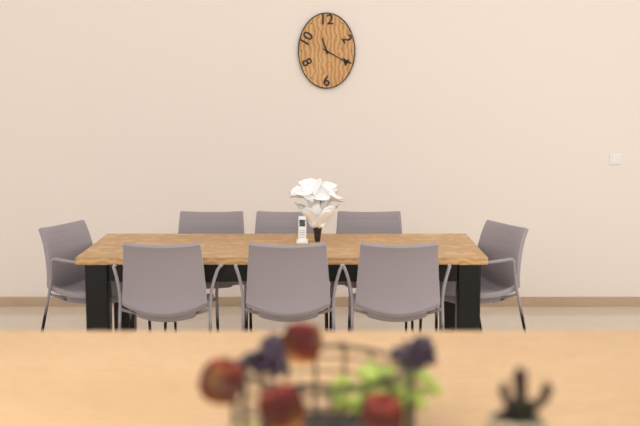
{"hour": 11, "minute": 20}
